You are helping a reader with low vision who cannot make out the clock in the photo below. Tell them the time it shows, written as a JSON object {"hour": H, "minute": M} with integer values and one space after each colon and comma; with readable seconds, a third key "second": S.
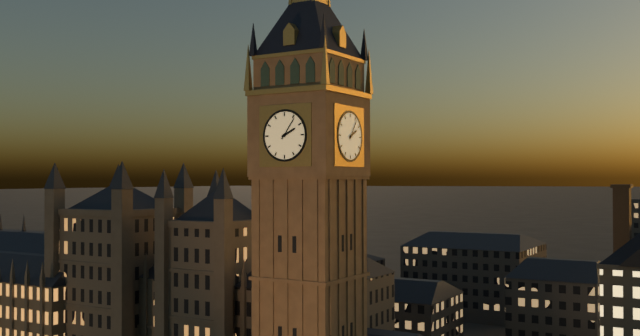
{"hour": 2, "minute": 6}
